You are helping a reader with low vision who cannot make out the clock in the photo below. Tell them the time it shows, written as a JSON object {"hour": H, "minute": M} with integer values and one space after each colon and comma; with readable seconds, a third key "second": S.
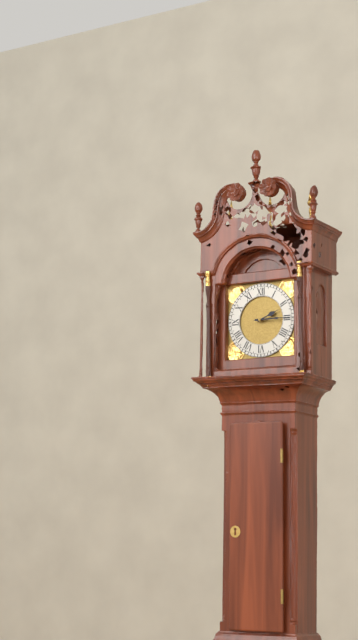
{"hour": 2, "minute": 15}
